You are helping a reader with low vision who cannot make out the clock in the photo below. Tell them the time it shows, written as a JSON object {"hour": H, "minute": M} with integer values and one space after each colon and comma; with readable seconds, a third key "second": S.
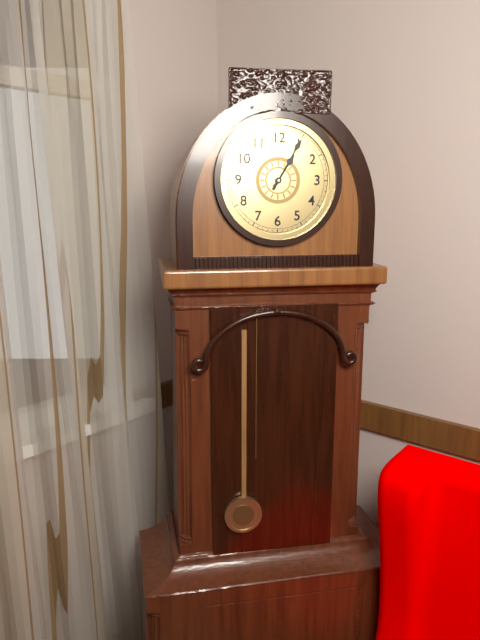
{"hour": 1, "minute": 5}
